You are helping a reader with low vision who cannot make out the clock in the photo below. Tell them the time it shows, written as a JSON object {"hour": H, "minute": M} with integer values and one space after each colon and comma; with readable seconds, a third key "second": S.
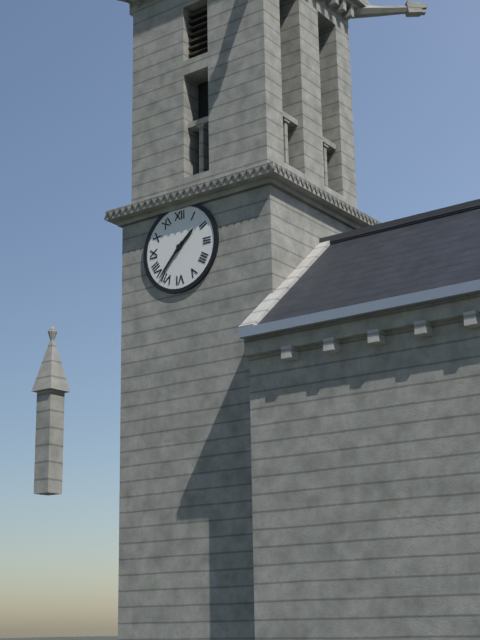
{"hour": 1, "minute": 37}
